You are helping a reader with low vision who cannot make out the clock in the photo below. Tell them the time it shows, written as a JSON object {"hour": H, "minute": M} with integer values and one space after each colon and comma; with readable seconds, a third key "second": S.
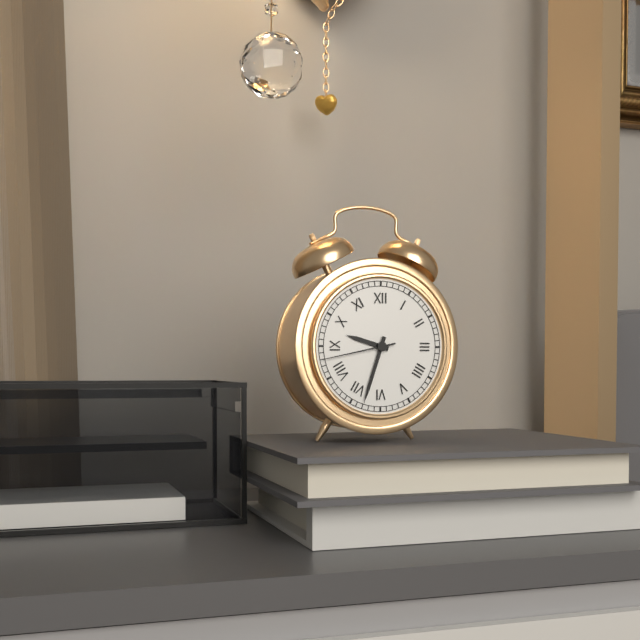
{"hour": 9, "minute": 33, "second": 43}
